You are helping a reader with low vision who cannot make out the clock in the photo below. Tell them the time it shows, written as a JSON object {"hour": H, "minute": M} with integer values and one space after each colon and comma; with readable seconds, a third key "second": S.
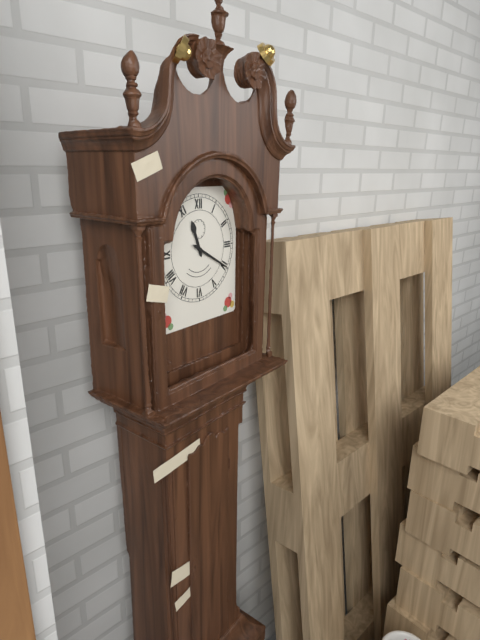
{"hour": 11, "minute": 20}
